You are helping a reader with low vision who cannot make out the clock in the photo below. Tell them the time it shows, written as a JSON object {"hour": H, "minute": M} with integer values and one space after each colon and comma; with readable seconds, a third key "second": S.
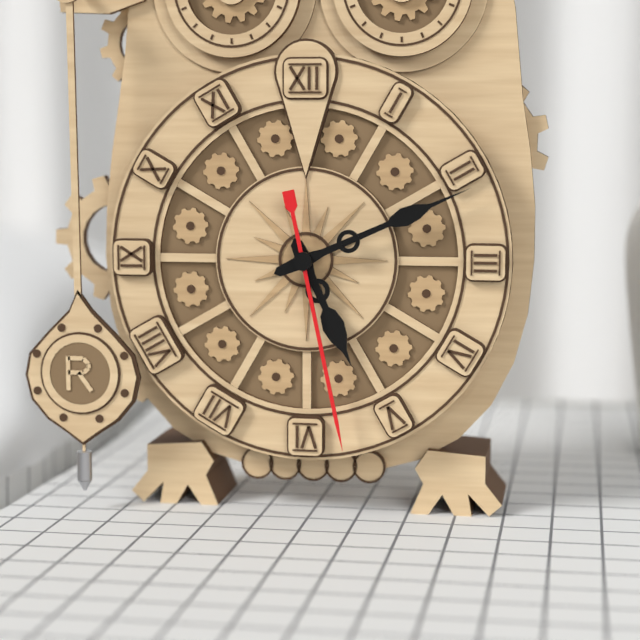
{"hour": 5, "minute": 11, "second": 28}
